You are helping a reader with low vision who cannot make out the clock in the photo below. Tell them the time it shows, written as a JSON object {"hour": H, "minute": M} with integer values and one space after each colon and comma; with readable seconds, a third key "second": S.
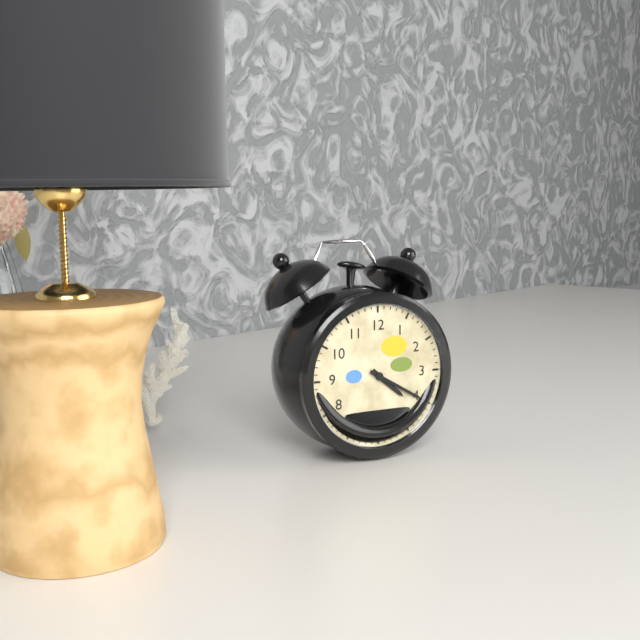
{"hour": 4, "minute": 20}
